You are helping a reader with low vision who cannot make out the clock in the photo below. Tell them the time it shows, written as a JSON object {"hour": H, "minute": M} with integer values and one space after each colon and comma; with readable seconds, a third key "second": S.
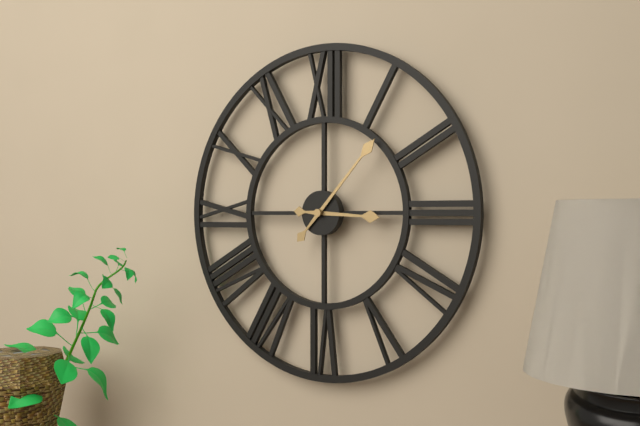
{"hour": 3, "minute": 7}
